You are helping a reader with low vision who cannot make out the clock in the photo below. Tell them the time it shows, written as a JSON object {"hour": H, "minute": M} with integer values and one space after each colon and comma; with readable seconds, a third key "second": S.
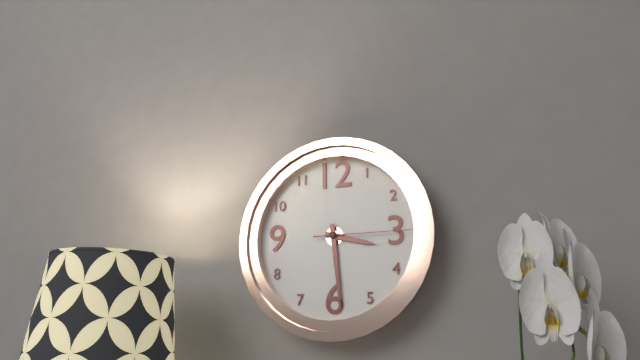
{"hour": 3, "minute": 29, "second": 15}
